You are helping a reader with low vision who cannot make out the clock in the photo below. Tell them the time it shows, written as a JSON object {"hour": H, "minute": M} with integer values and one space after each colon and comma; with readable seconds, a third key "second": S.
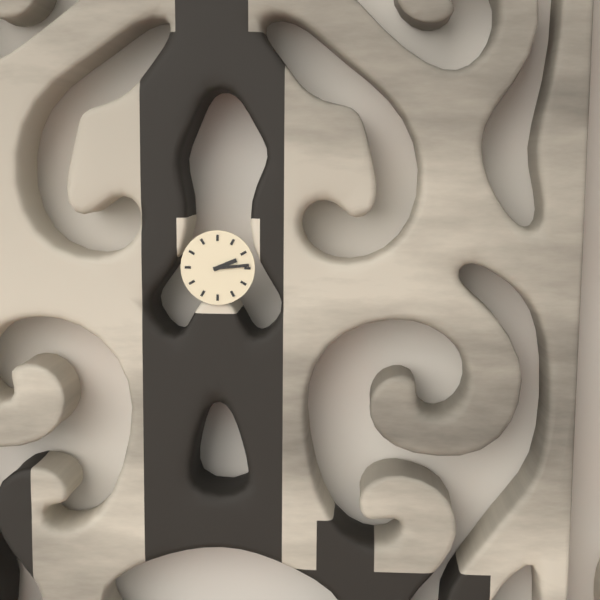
{"hour": 2, "minute": 14}
